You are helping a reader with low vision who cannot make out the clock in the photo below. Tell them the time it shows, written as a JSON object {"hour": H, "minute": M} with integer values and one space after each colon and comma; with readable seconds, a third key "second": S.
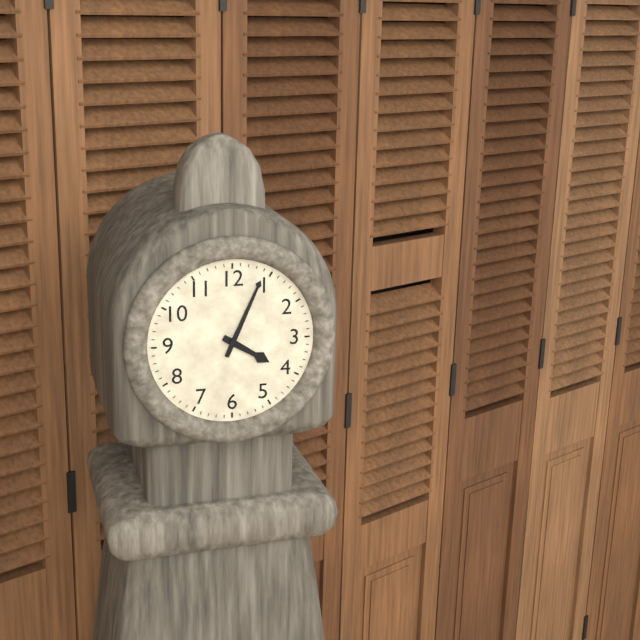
{"hour": 4, "minute": 4}
